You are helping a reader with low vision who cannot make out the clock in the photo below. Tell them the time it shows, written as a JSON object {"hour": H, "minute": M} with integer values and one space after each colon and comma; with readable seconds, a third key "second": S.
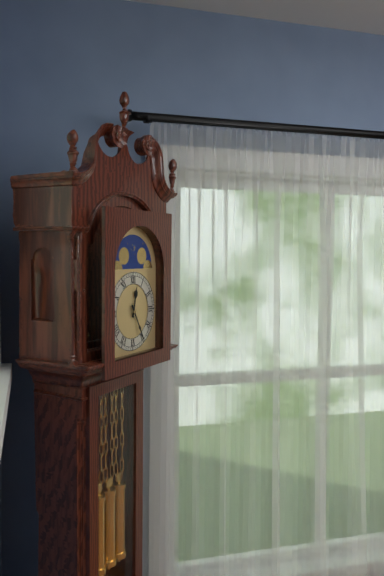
{"hour": 12, "minute": 25}
